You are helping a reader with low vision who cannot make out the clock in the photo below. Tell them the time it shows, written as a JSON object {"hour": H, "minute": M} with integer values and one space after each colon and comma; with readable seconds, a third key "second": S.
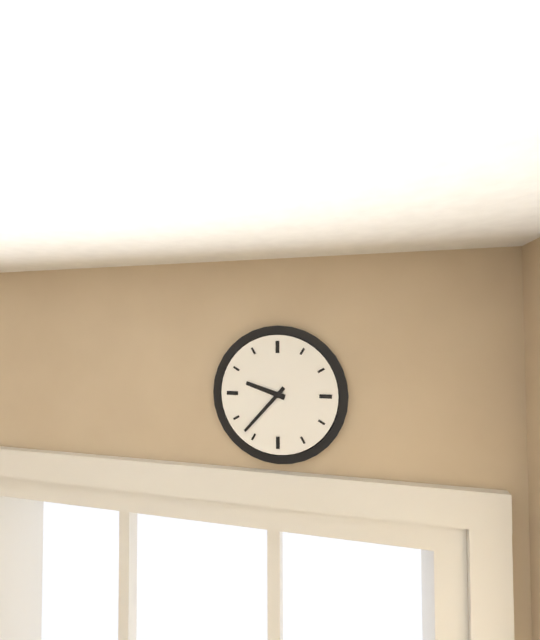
{"hour": 9, "minute": 37}
